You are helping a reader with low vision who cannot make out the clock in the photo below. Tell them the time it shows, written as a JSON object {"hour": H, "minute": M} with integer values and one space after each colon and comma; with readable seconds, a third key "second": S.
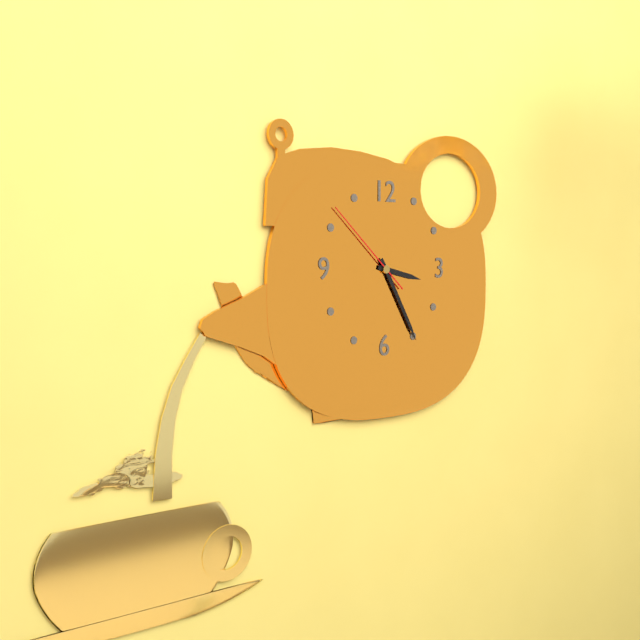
{"hour": 3, "minute": 25, "second": 52}
